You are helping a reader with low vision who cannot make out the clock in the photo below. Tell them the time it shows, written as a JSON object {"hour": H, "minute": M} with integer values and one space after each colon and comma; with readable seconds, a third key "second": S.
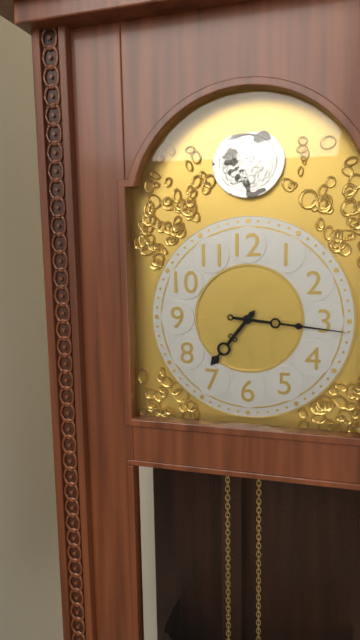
{"hour": 7, "minute": 16}
